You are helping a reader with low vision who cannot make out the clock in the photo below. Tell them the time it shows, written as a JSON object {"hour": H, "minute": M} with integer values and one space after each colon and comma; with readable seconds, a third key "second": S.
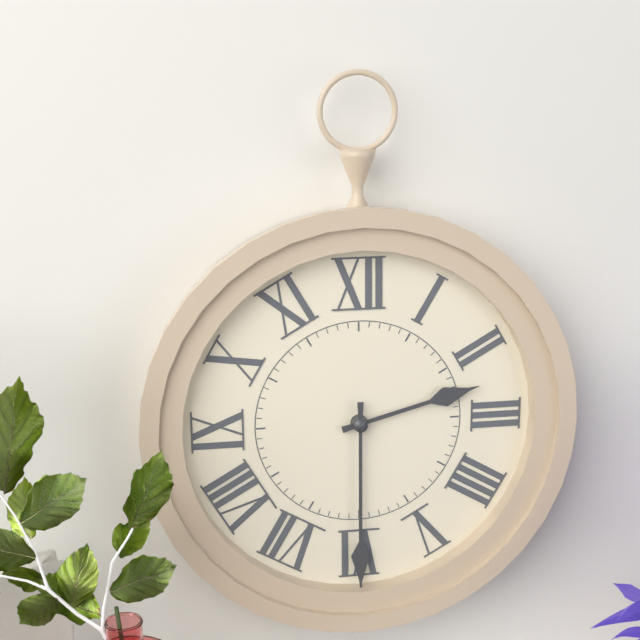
{"hour": 2, "minute": 30}
